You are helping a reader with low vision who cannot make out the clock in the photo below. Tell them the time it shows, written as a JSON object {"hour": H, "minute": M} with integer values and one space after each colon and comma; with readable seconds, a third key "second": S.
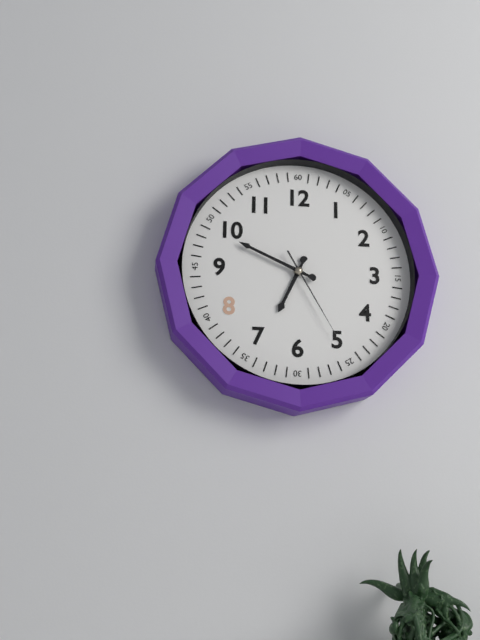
{"hour": 6, "minute": 49, "second": 25}
